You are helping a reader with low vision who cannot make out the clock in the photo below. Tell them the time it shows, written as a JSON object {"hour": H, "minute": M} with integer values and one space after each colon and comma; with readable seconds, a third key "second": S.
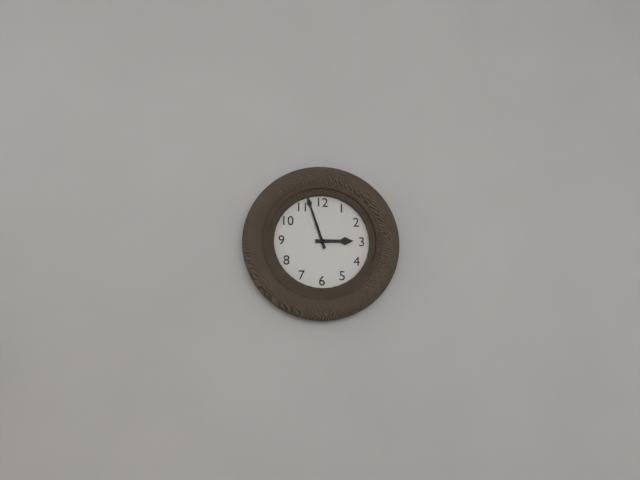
{"hour": 2, "minute": 57}
